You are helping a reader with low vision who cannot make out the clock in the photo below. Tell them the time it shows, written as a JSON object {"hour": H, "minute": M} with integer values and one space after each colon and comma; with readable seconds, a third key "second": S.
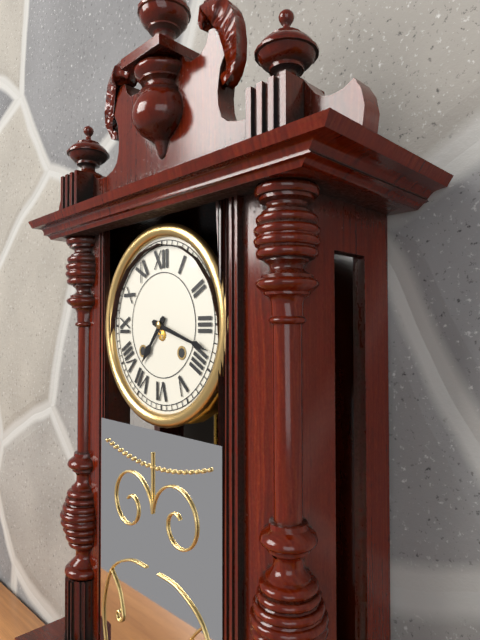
{"hour": 7, "minute": 18}
